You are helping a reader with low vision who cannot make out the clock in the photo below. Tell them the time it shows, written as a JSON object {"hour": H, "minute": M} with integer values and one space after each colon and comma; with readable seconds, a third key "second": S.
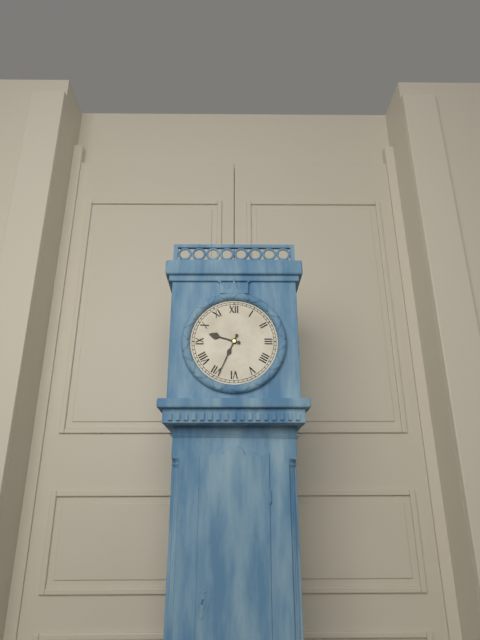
{"hour": 9, "minute": 34}
